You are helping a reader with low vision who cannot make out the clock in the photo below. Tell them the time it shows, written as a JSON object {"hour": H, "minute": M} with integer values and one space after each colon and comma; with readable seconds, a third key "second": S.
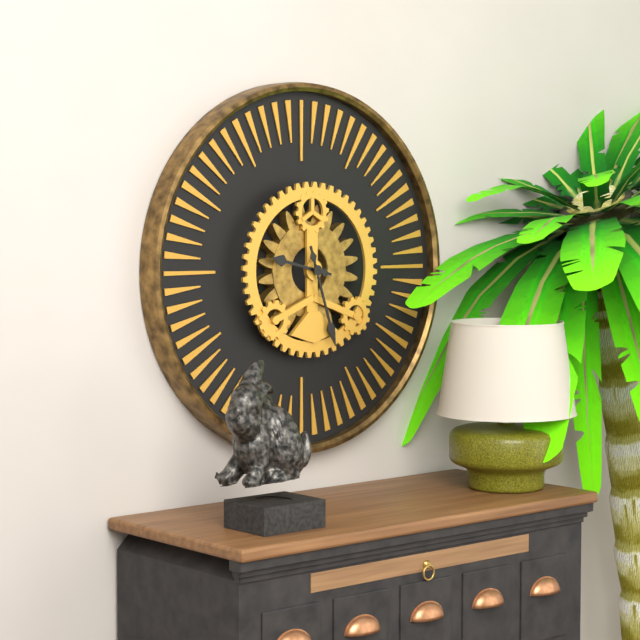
{"hour": 9, "minute": 27}
